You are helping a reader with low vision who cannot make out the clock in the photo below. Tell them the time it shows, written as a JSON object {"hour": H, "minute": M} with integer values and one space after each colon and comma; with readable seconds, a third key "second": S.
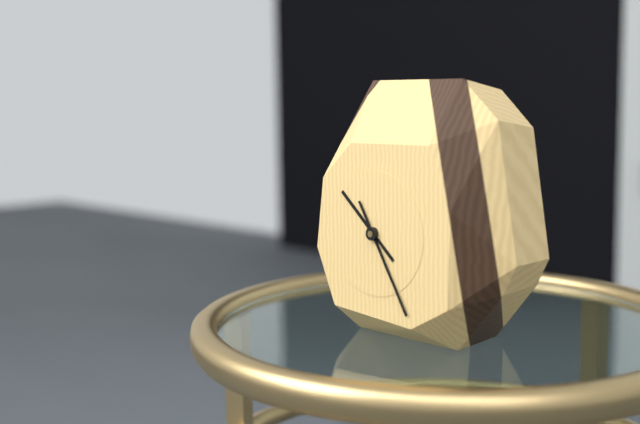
{"hour": 10, "minute": 25}
